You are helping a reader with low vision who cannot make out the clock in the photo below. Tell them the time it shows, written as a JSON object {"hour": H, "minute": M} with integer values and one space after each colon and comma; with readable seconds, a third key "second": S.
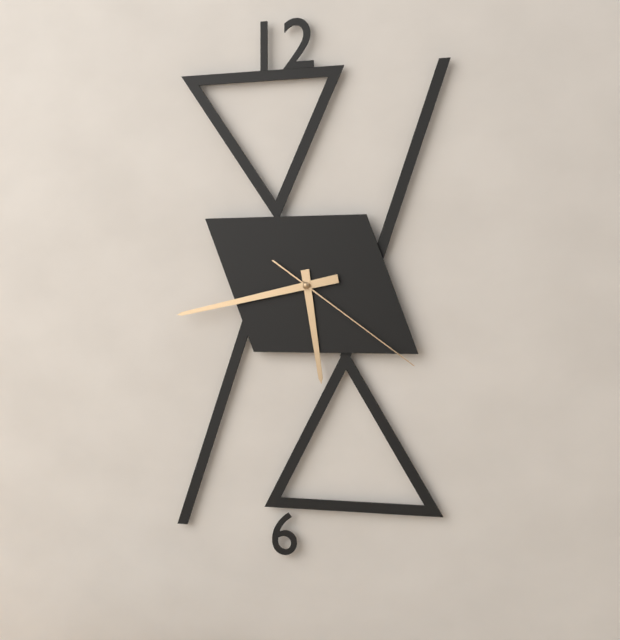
{"hour": 5, "minute": 43, "second": 21}
